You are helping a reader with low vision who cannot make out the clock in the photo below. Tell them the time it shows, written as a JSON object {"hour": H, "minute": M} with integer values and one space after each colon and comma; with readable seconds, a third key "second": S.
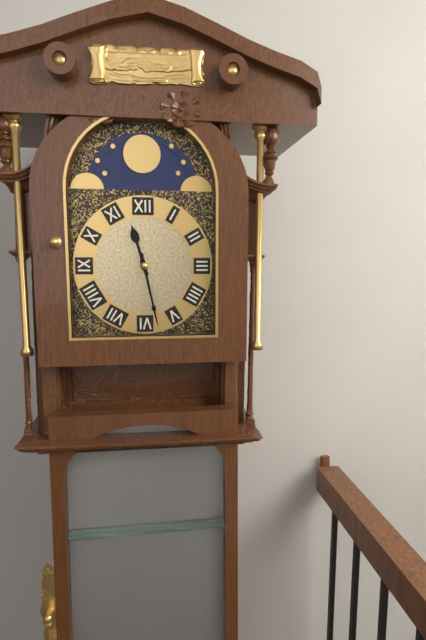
{"hour": 11, "minute": 28}
